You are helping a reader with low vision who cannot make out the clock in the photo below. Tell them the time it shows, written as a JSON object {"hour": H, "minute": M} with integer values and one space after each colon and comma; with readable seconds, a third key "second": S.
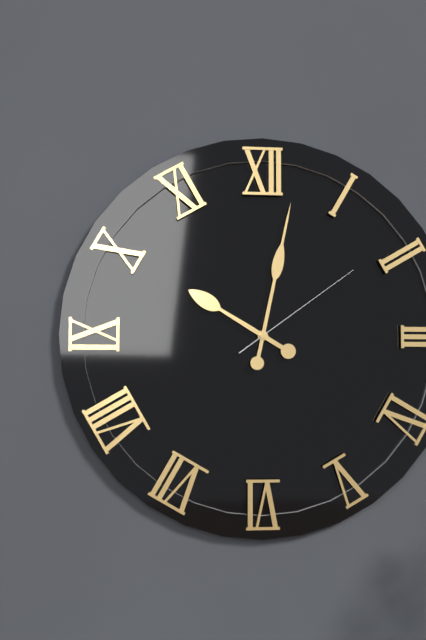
{"hour": 10, "minute": 2, "second": 9}
